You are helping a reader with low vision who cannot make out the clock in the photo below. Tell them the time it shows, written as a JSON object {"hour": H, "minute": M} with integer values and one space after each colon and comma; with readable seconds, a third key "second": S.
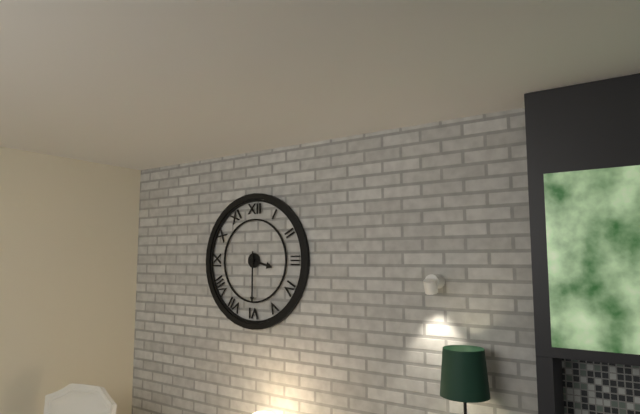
{"hour": 3, "minute": 30}
